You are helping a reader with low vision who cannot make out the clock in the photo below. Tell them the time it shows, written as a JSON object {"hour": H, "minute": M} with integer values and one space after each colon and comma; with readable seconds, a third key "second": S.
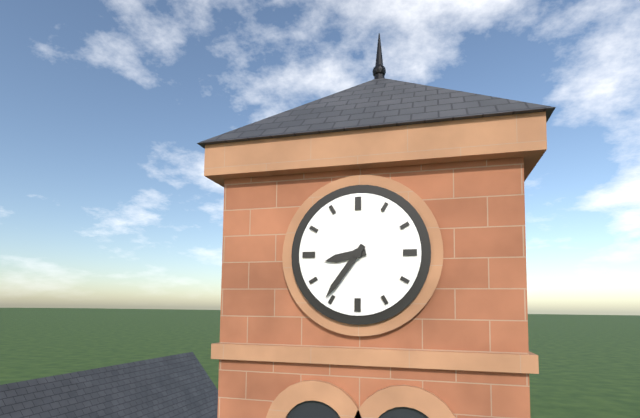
{"hour": 8, "minute": 36}
